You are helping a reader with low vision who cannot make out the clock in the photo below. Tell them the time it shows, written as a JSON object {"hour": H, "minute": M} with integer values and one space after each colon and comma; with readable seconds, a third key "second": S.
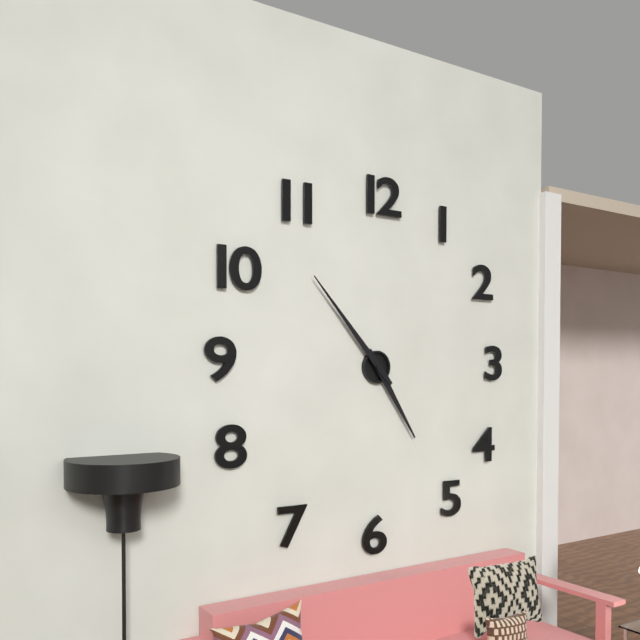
{"hour": 4, "minute": 53}
